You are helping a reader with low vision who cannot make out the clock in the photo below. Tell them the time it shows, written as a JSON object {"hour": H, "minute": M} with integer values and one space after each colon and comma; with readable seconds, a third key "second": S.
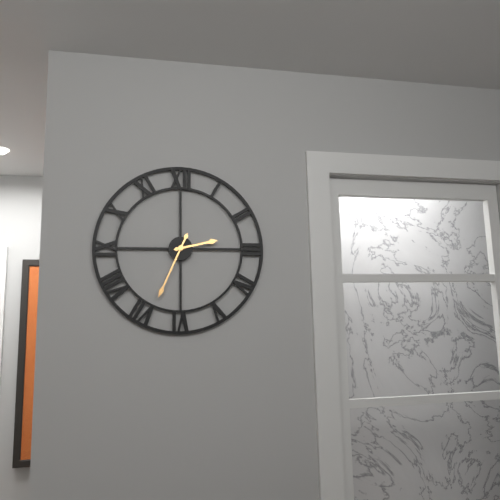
{"hour": 2, "minute": 34}
